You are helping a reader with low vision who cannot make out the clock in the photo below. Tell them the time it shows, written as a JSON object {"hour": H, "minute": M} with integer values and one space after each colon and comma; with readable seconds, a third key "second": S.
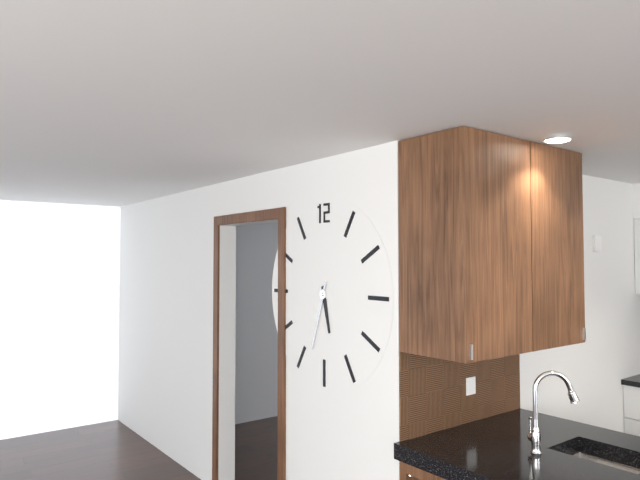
{"hour": 5, "minute": 33}
